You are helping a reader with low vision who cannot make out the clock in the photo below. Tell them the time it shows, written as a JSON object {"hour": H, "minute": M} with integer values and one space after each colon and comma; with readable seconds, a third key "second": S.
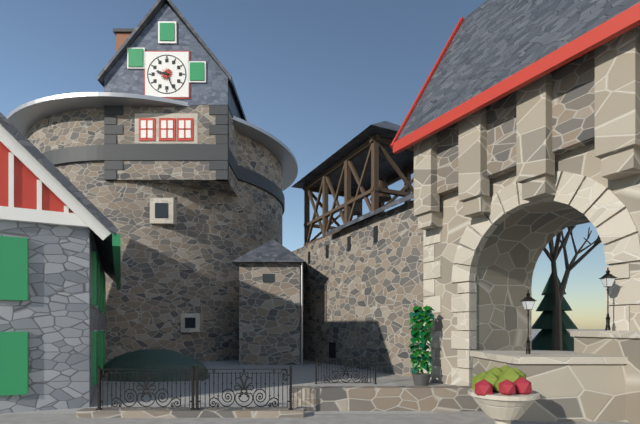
{"hour": 9, "minute": 26}
